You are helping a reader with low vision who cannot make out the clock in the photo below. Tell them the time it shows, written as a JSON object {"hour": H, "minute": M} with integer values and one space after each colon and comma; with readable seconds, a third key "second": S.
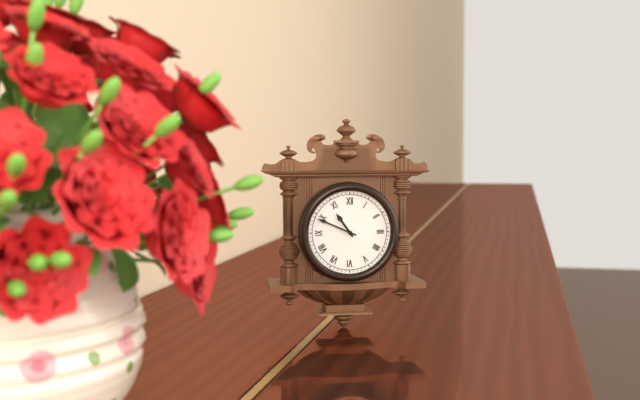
{"hour": 10, "minute": 49}
